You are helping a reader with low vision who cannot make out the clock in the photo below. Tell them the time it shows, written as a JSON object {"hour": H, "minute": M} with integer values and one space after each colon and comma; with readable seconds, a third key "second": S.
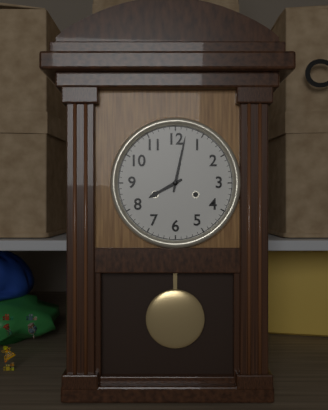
{"hour": 8, "minute": 2}
